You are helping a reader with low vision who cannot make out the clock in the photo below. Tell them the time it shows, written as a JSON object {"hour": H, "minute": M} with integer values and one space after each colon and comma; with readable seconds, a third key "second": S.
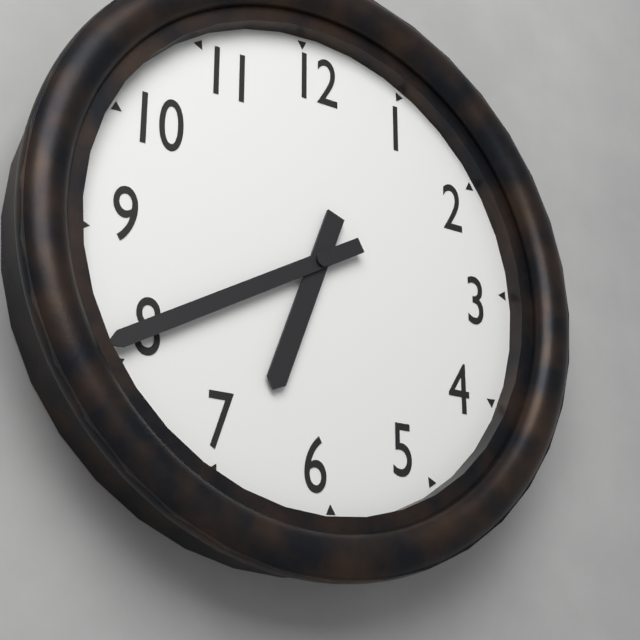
{"hour": 6, "minute": 40}
